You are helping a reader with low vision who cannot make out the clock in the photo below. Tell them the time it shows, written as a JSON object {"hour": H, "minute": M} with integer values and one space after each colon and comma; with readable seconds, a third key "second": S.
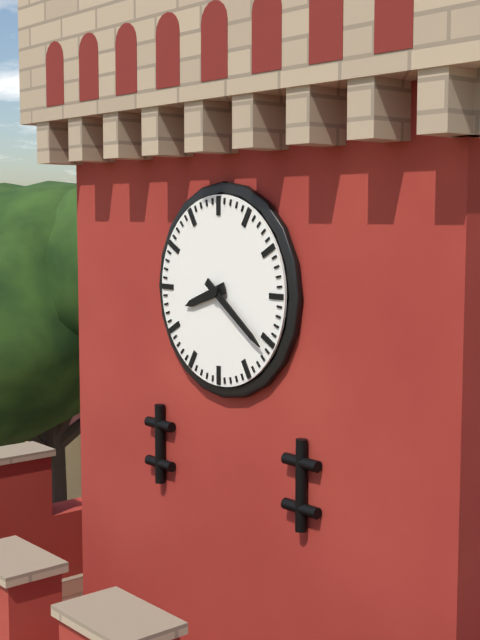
{"hour": 8, "minute": 21}
